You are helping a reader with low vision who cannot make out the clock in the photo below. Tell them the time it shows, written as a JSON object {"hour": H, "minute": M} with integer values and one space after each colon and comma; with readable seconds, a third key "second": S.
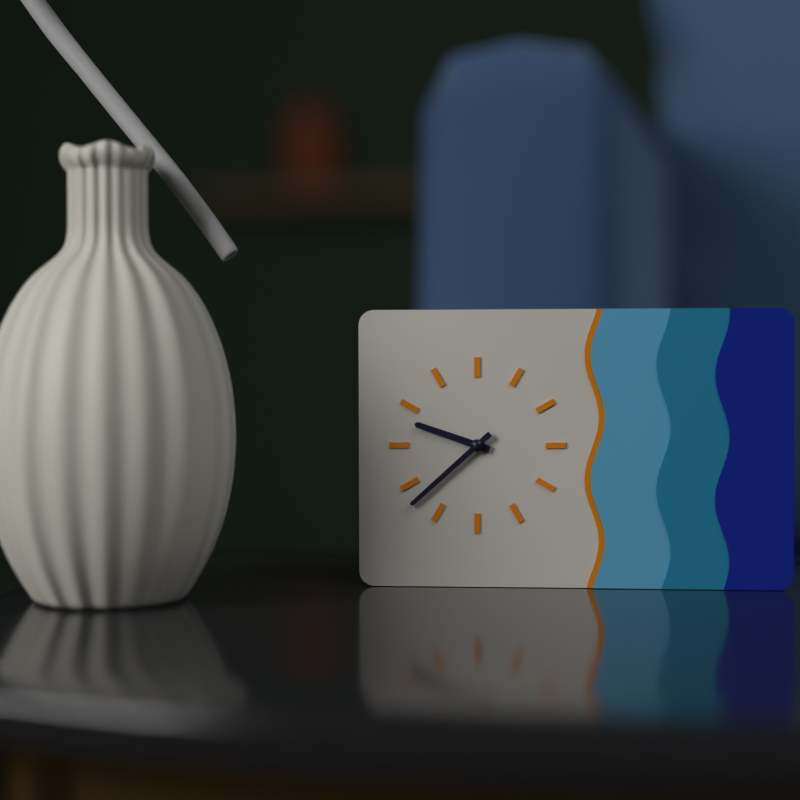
{"hour": 9, "minute": 38}
